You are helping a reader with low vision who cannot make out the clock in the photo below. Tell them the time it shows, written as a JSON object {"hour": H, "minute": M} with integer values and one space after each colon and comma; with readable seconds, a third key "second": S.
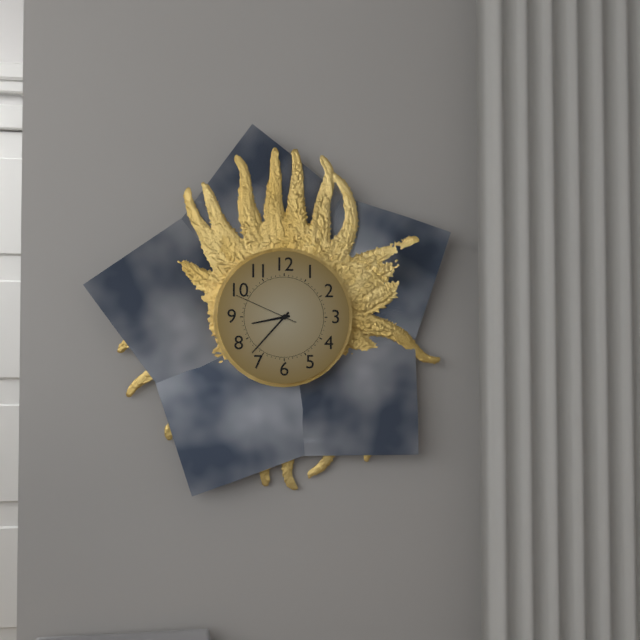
{"hour": 8, "minute": 37, "second": 49}
